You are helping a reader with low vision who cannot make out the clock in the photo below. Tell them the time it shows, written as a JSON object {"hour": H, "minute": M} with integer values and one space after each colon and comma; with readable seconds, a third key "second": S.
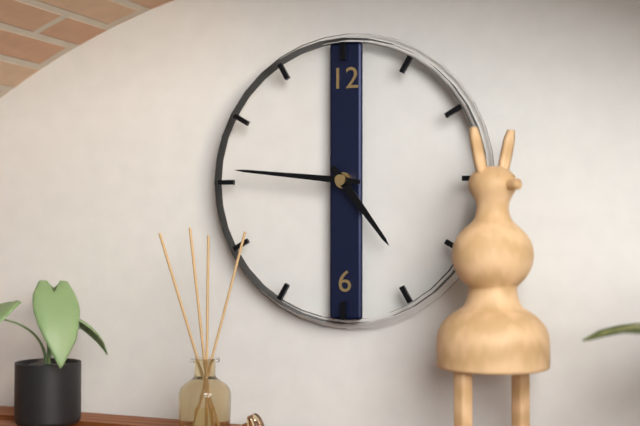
{"hour": 4, "minute": 46}
